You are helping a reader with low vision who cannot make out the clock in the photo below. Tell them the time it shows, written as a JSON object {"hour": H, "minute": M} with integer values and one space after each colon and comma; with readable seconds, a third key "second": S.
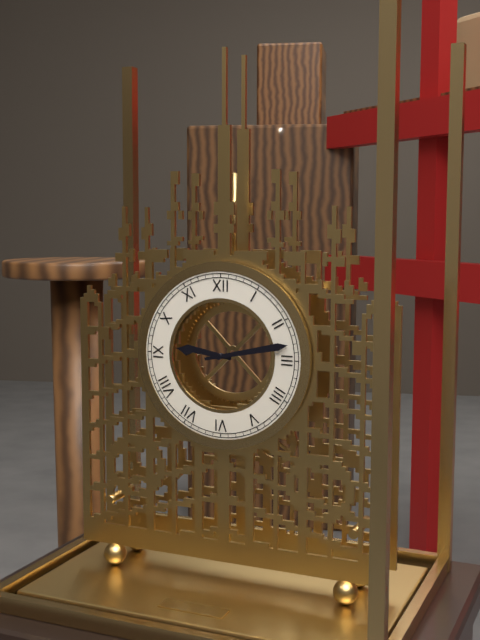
{"hour": 9, "minute": 13}
